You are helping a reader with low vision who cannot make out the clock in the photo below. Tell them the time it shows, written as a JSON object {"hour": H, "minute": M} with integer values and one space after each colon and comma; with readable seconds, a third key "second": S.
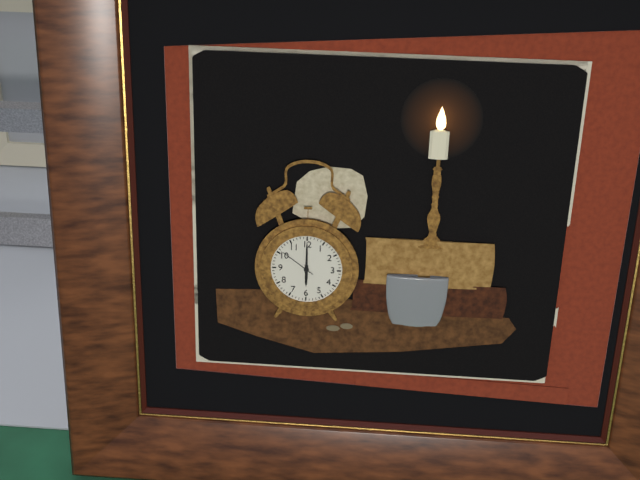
{"hour": 6, "minute": 0}
